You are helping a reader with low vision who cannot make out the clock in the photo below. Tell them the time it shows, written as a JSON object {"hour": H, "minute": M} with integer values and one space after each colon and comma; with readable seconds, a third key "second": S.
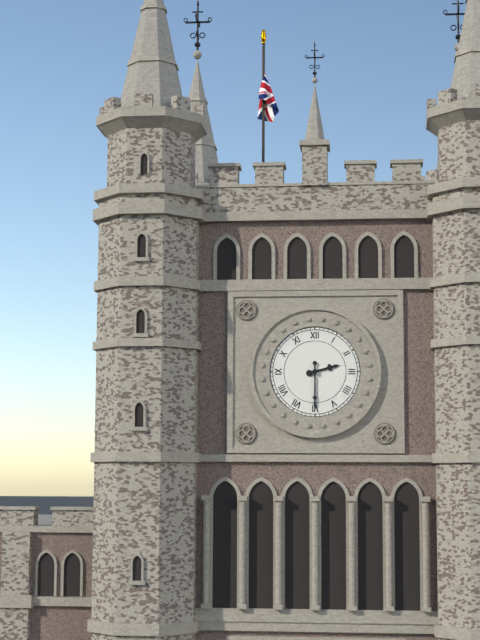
{"hour": 2, "minute": 30}
